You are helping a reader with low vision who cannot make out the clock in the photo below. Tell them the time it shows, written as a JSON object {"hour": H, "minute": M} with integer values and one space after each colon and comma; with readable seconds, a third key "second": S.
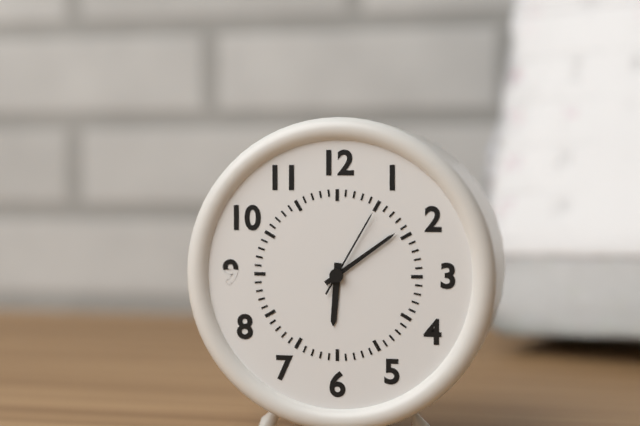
{"hour": 6, "minute": 9, "second": 5}
